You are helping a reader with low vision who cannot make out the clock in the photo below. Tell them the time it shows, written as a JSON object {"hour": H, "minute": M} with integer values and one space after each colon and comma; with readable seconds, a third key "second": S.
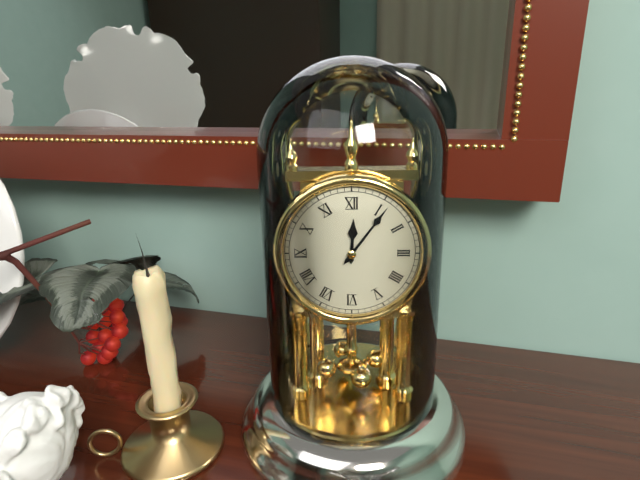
{"hour": 12, "minute": 6}
